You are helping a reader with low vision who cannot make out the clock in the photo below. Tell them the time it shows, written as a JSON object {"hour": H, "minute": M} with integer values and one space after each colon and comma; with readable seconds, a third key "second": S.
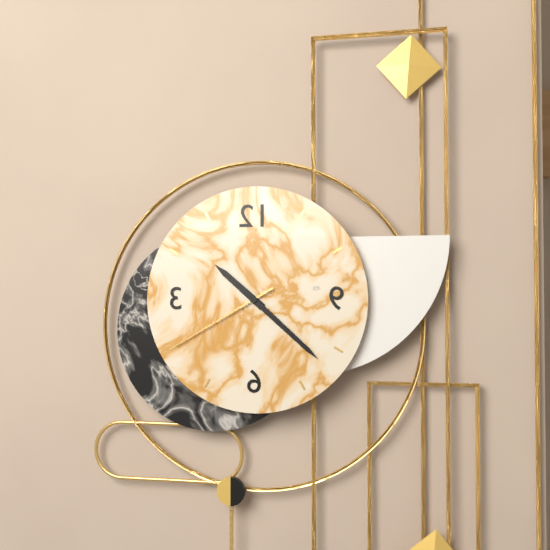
{"hour": 10, "minute": 22, "second": 40}
